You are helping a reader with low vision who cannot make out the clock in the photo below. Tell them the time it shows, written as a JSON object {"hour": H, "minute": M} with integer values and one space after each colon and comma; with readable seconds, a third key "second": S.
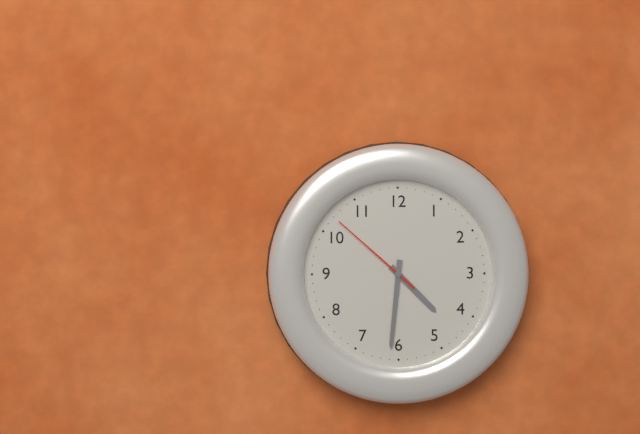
{"hour": 4, "minute": 31, "second": 52}
